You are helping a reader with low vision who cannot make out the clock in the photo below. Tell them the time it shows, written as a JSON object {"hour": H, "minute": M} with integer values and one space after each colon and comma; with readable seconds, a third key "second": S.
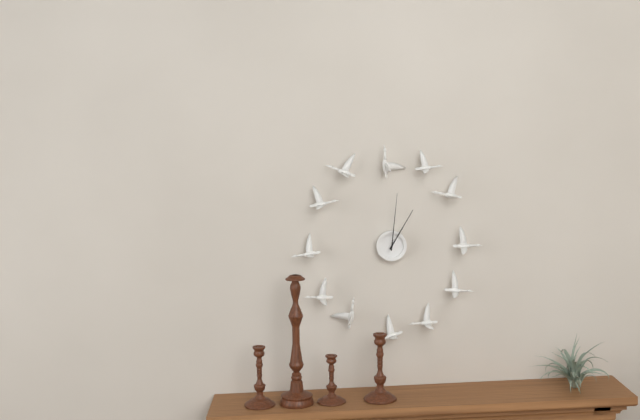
{"hour": 1, "minute": 1}
